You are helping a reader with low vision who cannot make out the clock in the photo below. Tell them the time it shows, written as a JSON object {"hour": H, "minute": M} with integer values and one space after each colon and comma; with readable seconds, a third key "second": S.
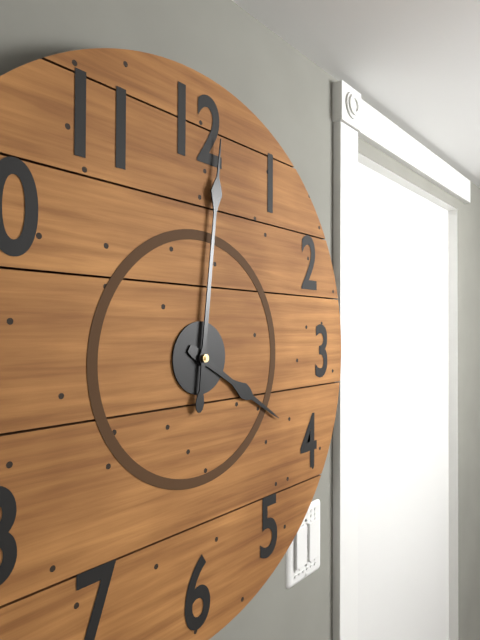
{"hour": 4, "minute": 1}
